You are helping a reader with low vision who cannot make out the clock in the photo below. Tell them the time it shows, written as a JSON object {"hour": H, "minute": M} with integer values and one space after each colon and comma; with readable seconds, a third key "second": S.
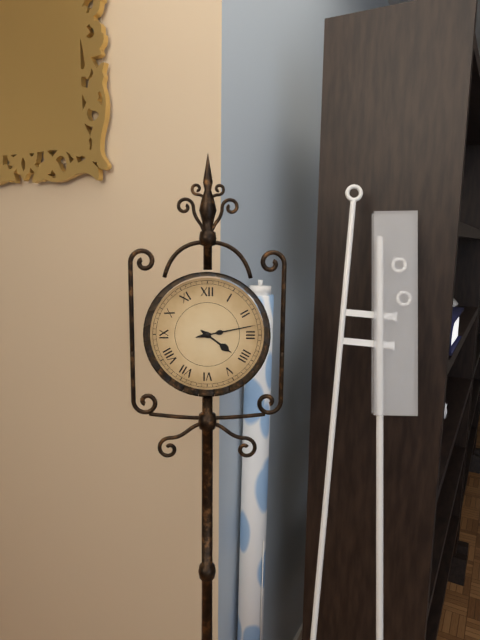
{"hour": 4, "minute": 13}
